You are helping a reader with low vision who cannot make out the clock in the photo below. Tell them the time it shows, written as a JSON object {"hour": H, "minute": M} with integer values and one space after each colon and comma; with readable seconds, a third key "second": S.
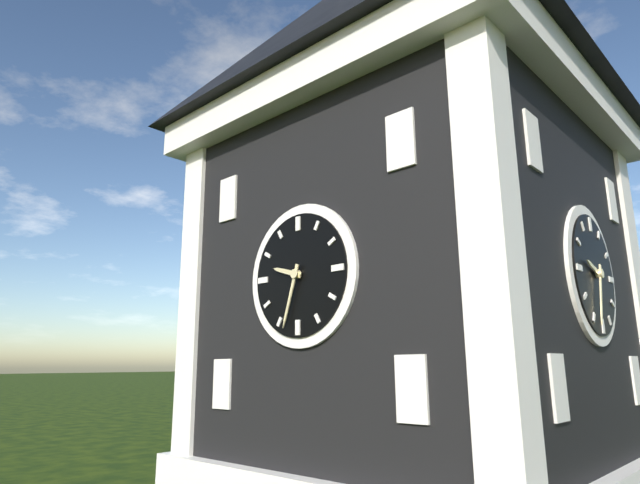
{"hour": 9, "minute": 33}
